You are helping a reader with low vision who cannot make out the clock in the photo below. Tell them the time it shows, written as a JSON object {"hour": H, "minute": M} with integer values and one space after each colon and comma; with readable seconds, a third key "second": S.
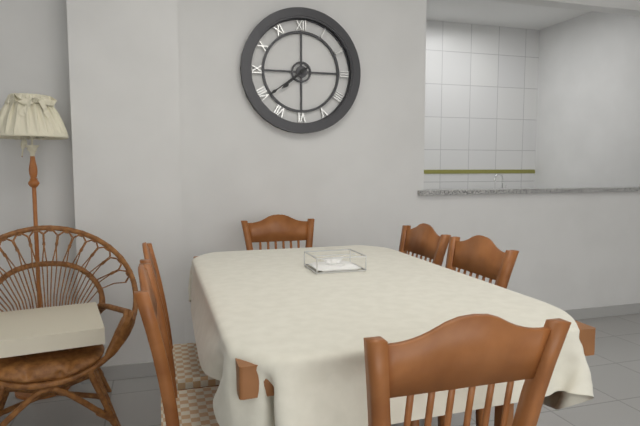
{"hour": 7, "minute": 39}
